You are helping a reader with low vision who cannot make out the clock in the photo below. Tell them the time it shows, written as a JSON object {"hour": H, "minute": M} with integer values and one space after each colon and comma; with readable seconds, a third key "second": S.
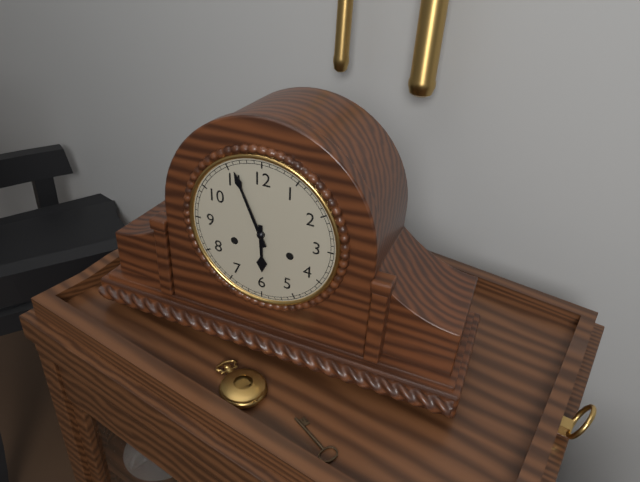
{"hour": 5, "minute": 56}
